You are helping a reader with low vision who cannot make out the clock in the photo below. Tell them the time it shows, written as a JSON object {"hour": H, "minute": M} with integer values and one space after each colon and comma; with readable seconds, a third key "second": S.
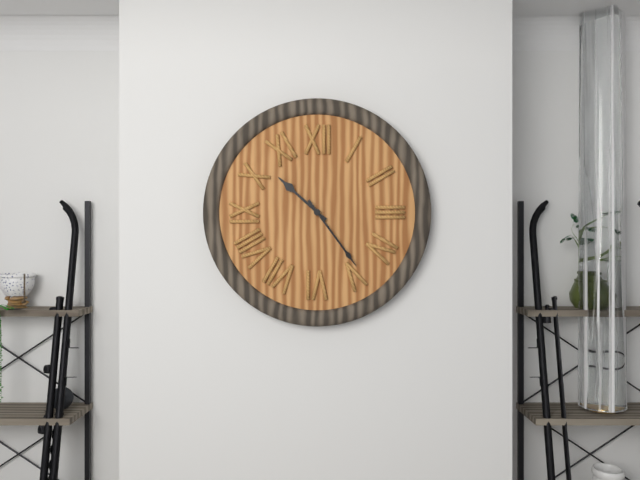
{"hour": 10, "minute": 24}
